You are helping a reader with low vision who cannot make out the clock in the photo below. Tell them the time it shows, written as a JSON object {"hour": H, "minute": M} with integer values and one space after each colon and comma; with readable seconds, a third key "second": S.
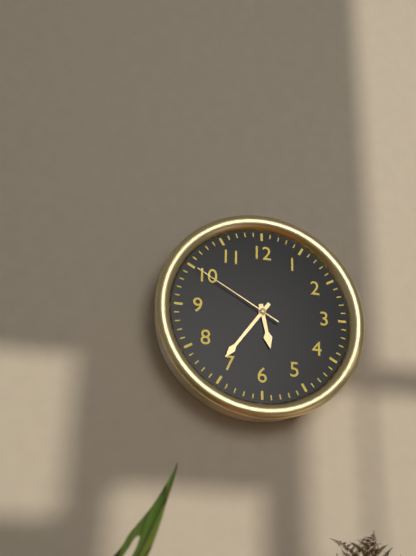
{"hour": 5, "minute": 36, "second": 50}
